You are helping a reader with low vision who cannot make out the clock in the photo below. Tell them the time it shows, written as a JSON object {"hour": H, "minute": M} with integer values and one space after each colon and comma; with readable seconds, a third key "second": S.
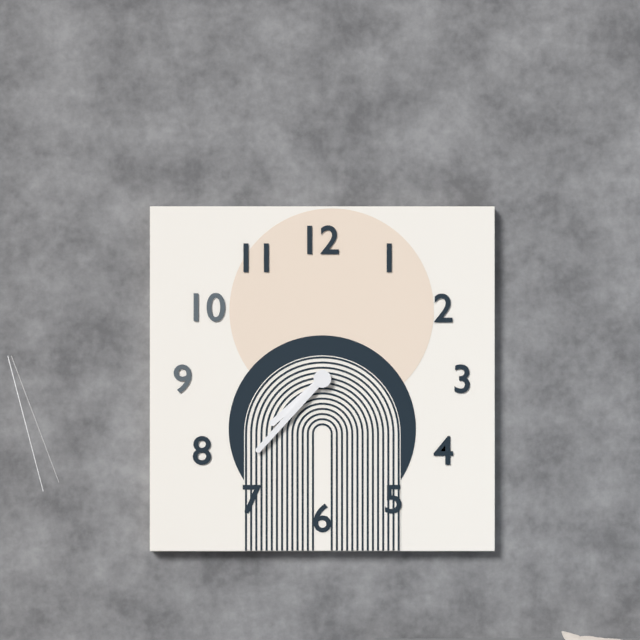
{"hour": 7, "minute": 37}
